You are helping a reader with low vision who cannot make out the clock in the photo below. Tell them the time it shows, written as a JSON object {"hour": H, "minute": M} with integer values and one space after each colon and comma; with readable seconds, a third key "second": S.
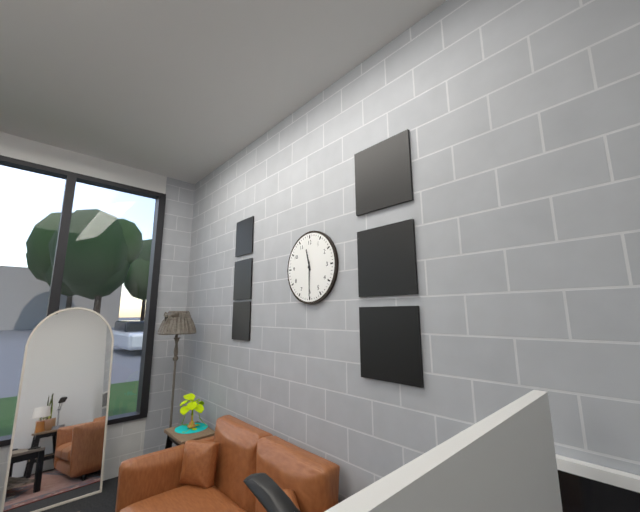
{"hour": 11, "minute": 30}
